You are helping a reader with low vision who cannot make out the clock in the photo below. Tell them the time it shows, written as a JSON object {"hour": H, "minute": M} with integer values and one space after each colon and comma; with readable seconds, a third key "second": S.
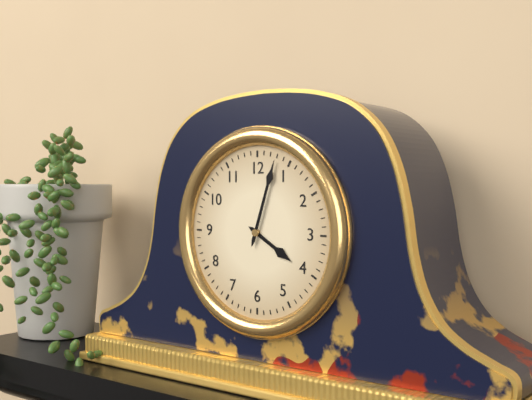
{"hour": 4, "minute": 3}
